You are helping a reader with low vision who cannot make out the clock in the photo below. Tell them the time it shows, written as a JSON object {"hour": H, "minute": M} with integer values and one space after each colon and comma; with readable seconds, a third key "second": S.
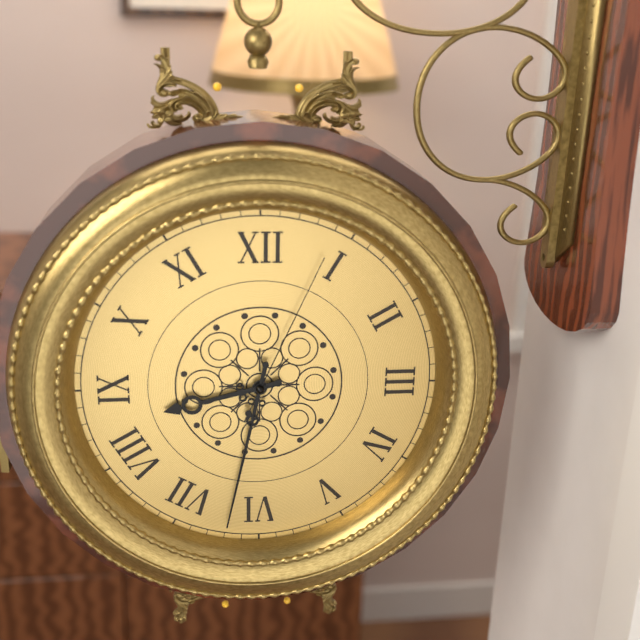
{"hour": 8, "minute": 32, "second": 4}
